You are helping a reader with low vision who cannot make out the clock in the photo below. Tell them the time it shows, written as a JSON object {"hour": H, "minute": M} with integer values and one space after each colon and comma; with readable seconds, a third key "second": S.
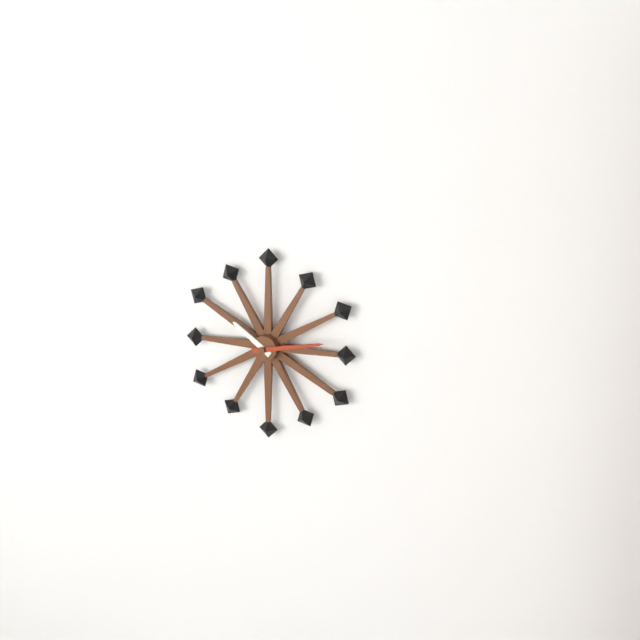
{"hour": 10, "minute": 13}
